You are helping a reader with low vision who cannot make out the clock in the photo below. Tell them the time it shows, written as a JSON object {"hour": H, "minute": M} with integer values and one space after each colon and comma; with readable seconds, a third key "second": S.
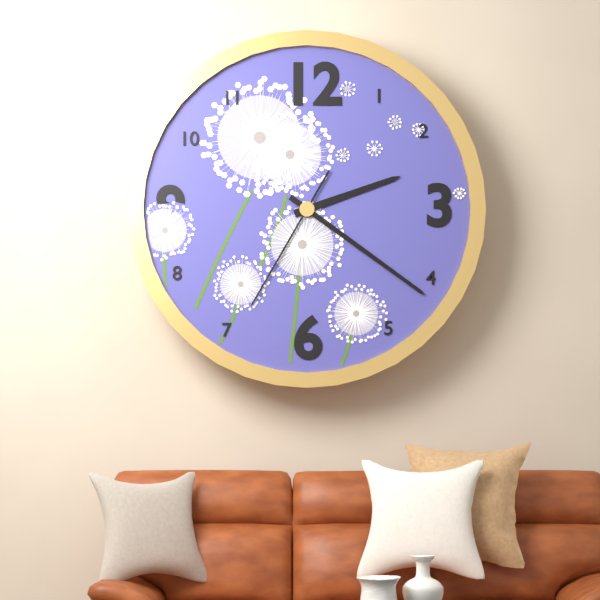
{"hour": 2, "minute": 21, "second": 35}
